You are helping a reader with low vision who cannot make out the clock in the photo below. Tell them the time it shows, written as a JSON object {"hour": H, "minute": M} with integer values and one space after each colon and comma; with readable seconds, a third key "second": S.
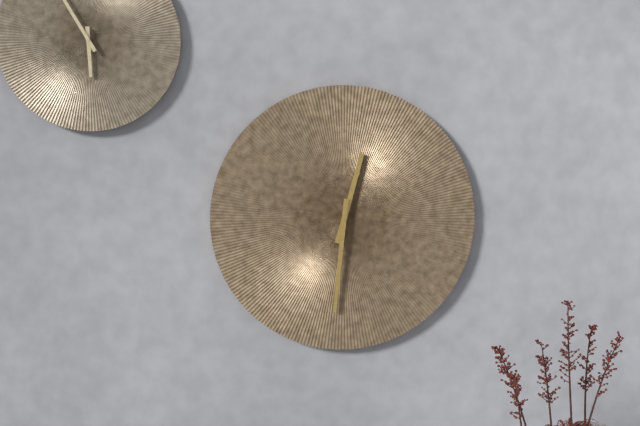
{"hour": 12, "minute": 31}
